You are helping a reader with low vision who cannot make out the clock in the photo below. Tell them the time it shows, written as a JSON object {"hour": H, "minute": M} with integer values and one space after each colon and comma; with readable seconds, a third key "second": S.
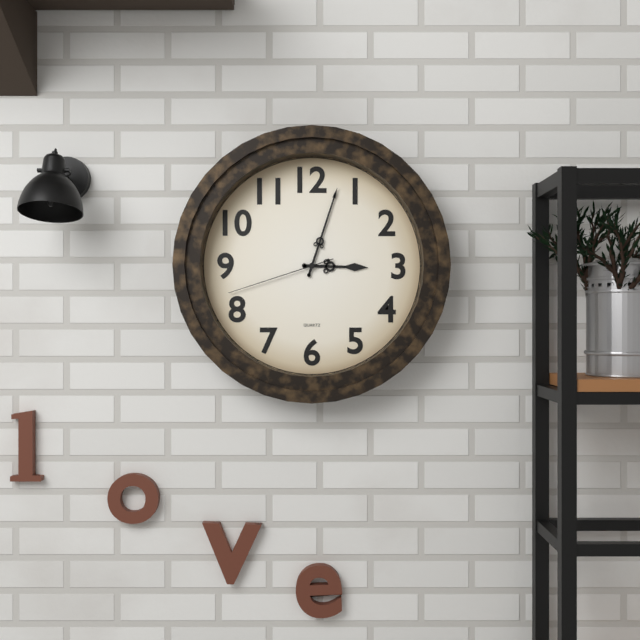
{"hour": 3, "minute": 3, "second": 42}
